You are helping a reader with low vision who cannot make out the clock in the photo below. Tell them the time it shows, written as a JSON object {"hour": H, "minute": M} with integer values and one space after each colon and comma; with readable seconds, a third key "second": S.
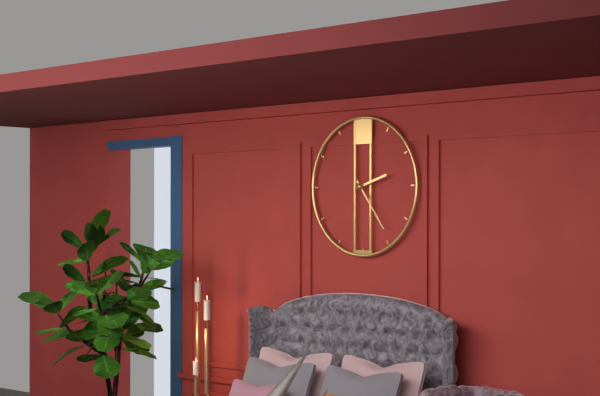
{"hour": 2, "minute": 24}
